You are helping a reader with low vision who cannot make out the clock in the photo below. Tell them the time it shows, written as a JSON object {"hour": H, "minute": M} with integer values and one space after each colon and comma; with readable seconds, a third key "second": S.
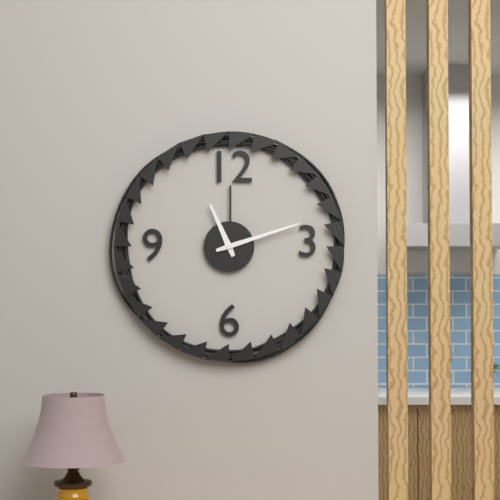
{"hour": 11, "minute": 12}
